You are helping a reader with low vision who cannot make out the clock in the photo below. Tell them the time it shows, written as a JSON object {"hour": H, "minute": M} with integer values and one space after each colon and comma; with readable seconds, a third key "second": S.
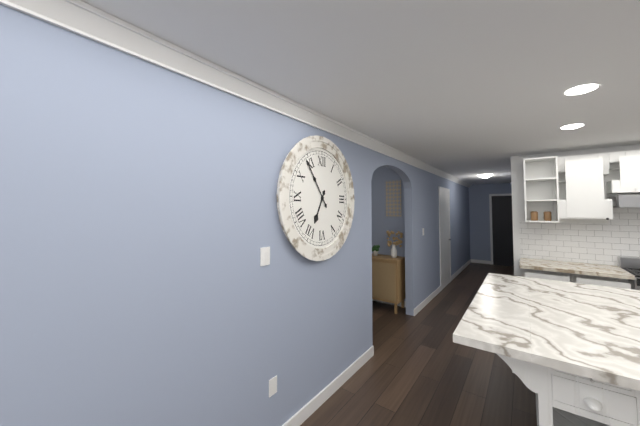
{"hour": 6, "minute": 54}
